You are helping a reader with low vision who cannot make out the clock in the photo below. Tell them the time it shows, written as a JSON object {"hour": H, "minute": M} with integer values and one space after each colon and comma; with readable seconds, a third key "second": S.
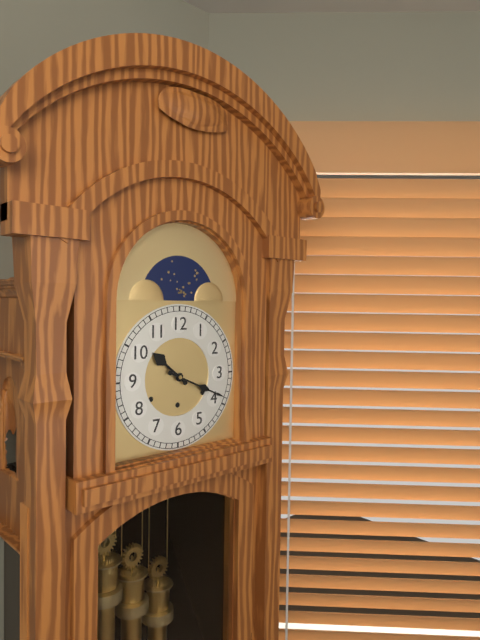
{"hour": 10, "minute": 19}
